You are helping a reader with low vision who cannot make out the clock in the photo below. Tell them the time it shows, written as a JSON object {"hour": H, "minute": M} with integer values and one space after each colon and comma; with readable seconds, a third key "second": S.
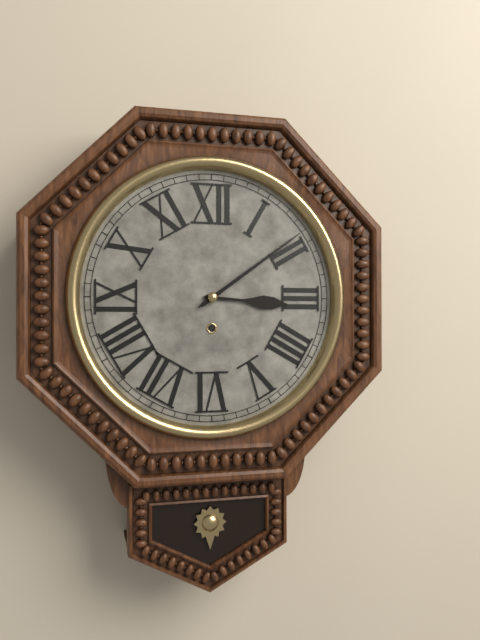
{"hour": 3, "minute": 9}
